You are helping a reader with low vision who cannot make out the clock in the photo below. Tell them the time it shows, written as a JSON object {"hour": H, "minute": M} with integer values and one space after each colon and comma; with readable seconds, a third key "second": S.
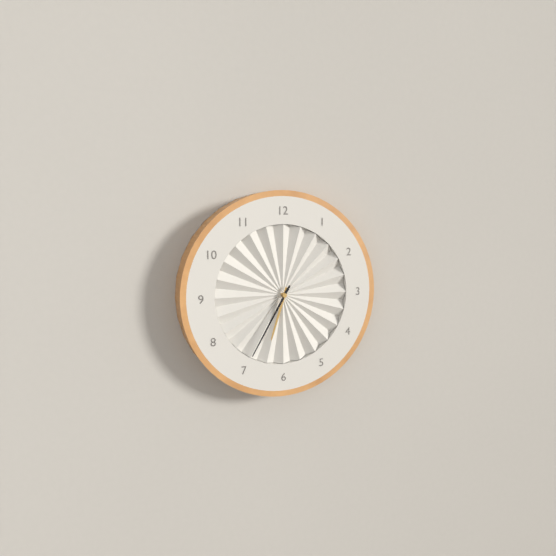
{"hour": 6, "minute": 35}
